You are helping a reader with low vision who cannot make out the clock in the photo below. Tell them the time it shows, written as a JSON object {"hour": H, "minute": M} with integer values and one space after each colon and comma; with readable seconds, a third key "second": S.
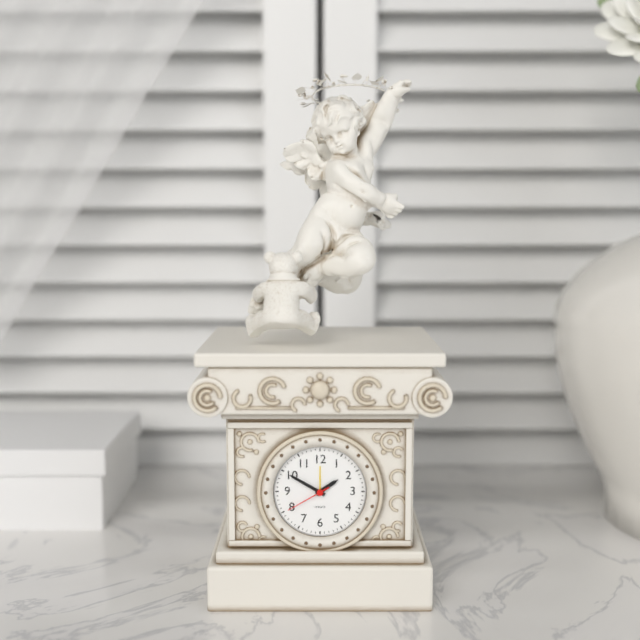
{"hour": 1, "minute": 50}
